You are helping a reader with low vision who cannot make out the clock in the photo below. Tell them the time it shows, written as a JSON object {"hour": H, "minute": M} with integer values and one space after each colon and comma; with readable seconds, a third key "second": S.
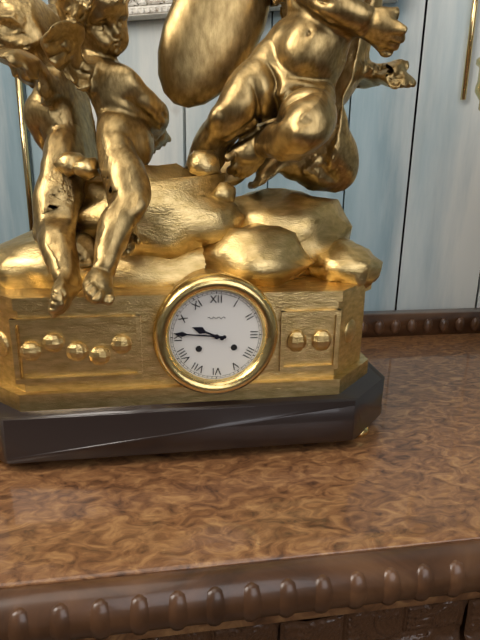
{"hour": 9, "minute": 46}
